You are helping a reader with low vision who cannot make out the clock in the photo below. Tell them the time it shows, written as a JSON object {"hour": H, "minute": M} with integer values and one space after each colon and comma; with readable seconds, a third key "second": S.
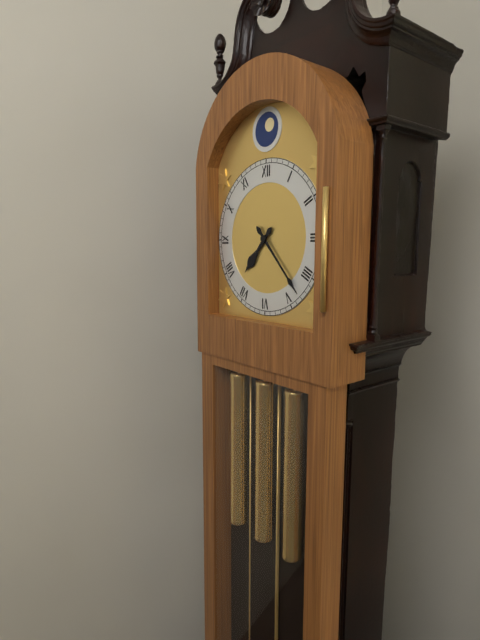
{"hour": 7, "minute": 23}
